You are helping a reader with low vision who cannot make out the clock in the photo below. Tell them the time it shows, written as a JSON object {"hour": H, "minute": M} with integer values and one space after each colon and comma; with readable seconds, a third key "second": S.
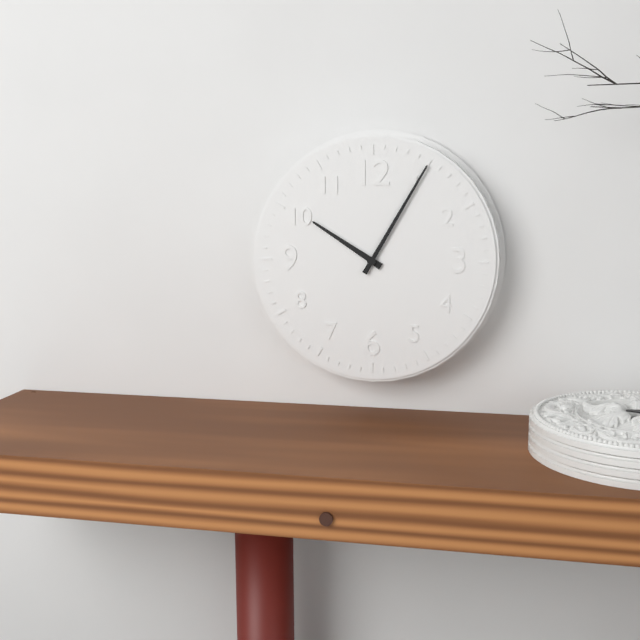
{"hour": 10, "minute": 5}
